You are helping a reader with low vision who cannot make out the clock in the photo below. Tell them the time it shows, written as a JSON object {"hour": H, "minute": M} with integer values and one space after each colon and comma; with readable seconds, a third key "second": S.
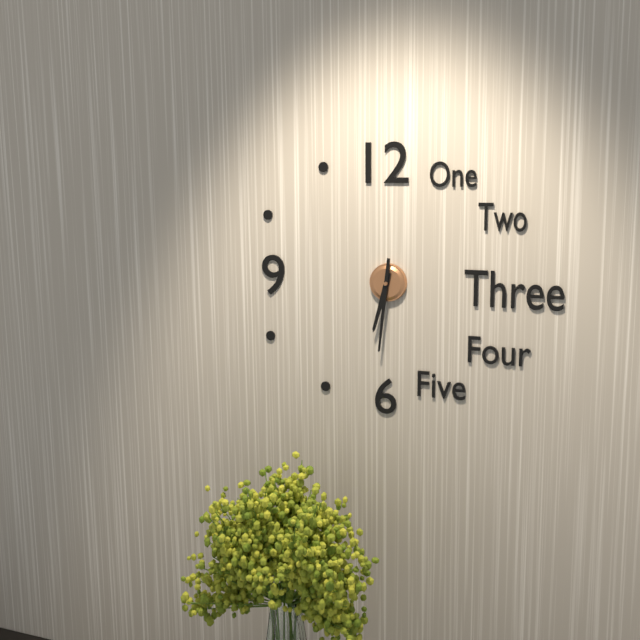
{"hour": 6, "minute": 31}
